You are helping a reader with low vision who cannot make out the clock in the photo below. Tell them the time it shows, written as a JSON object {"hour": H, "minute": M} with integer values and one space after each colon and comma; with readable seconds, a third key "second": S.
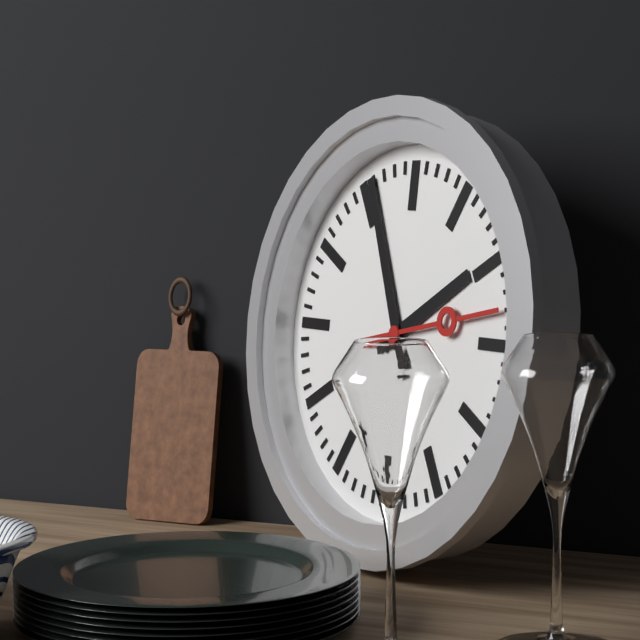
{"hour": 1, "minute": 56, "second": 13}
